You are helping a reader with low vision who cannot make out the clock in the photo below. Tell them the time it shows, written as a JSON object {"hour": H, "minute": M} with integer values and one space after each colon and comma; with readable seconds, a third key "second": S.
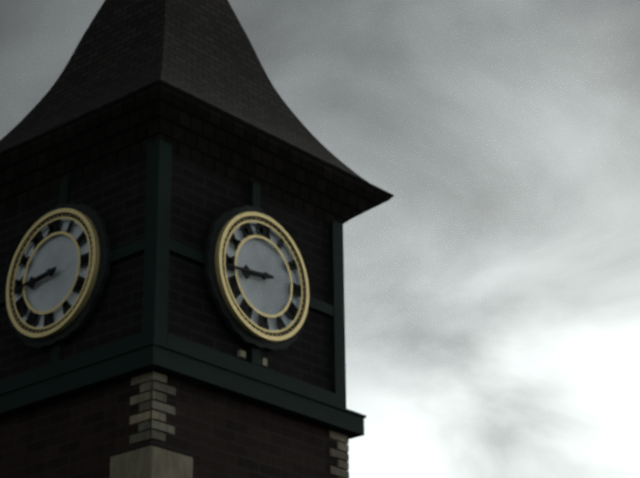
{"hour": 8, "minute": 44}
